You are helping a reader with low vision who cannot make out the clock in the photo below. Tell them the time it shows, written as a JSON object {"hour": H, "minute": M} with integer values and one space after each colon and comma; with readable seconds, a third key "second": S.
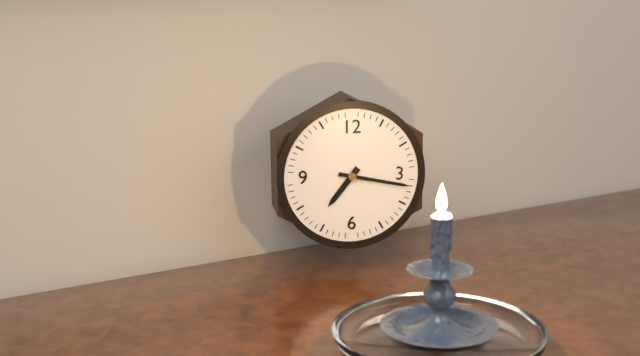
{"hour": 7, "minute": 17}
